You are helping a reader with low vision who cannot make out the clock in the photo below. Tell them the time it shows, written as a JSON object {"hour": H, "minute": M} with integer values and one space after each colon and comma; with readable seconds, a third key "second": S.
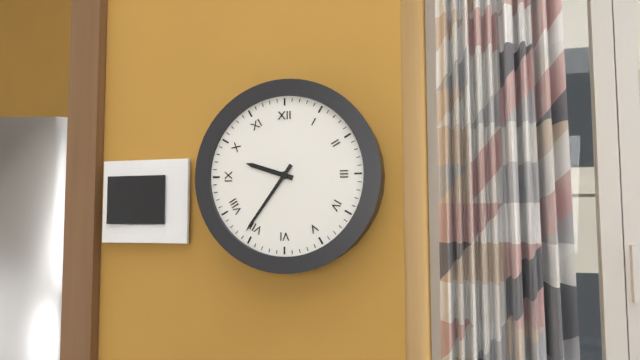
{"hour": 9, "minute": 36}
